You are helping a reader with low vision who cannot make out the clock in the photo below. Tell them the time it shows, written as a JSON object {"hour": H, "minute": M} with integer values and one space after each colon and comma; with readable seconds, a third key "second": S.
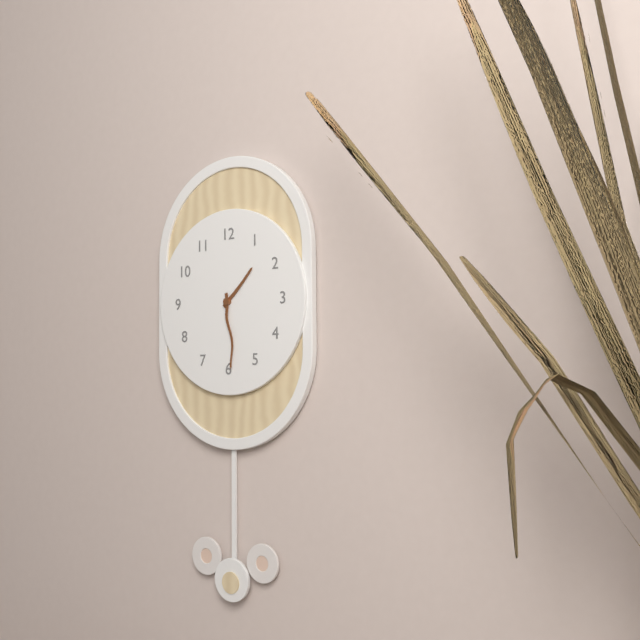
{"hour": 1, "minute": 29}
